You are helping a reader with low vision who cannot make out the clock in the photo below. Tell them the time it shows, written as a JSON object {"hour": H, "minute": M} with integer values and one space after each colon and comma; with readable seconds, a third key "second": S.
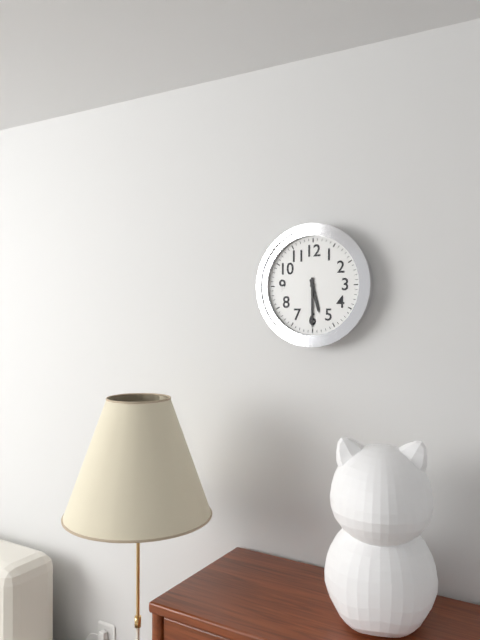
{"hour": 5, "minute": 30}
